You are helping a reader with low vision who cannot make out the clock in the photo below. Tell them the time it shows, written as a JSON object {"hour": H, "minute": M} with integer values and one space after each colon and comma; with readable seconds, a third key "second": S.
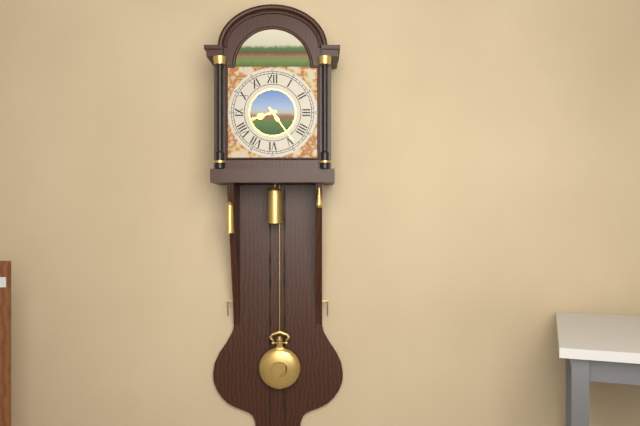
{"hour": 8, "minute": 24}
